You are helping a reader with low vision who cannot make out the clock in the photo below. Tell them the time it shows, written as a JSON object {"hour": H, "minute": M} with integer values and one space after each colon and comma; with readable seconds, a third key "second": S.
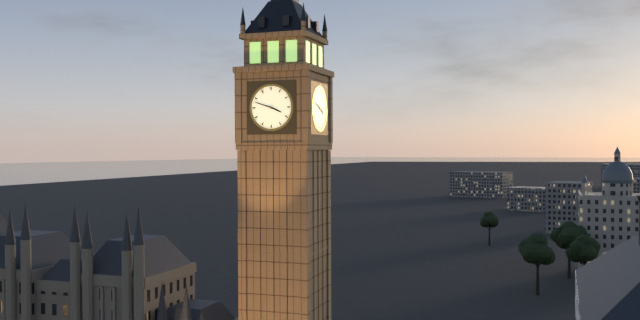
{"hour": 3, "minute": 48}
